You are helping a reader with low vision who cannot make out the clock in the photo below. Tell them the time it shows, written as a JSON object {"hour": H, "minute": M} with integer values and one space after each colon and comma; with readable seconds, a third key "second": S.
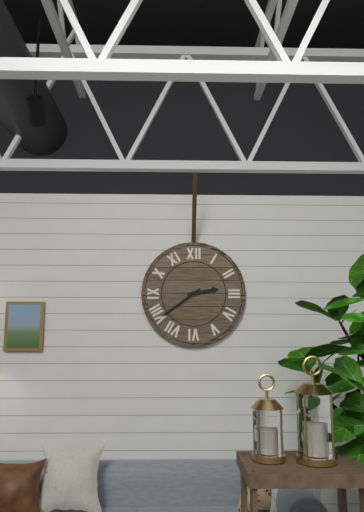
{"hour": 2, "minute": 39}
